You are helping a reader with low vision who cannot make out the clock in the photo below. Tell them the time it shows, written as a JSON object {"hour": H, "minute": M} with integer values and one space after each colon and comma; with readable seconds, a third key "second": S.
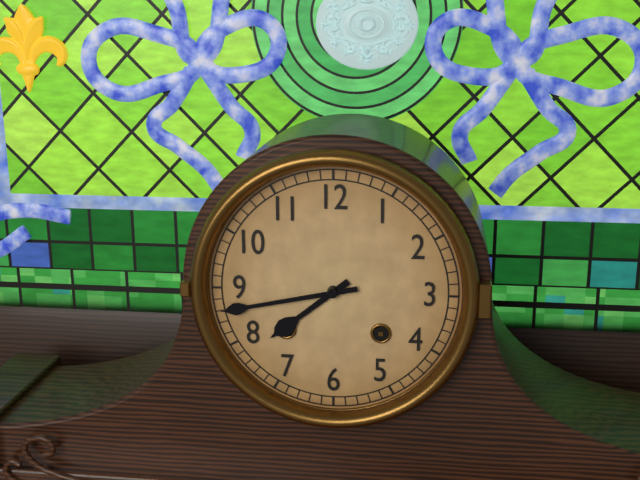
{"hour": 7, "minute": 43}
